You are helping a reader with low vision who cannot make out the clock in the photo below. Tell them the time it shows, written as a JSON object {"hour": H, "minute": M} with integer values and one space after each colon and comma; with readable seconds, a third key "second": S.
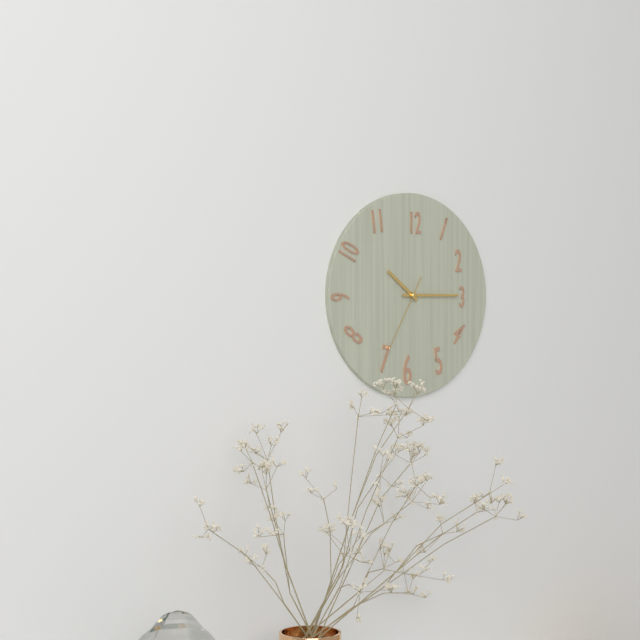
{"hour": 10, "minute": 15, "second": 35}
